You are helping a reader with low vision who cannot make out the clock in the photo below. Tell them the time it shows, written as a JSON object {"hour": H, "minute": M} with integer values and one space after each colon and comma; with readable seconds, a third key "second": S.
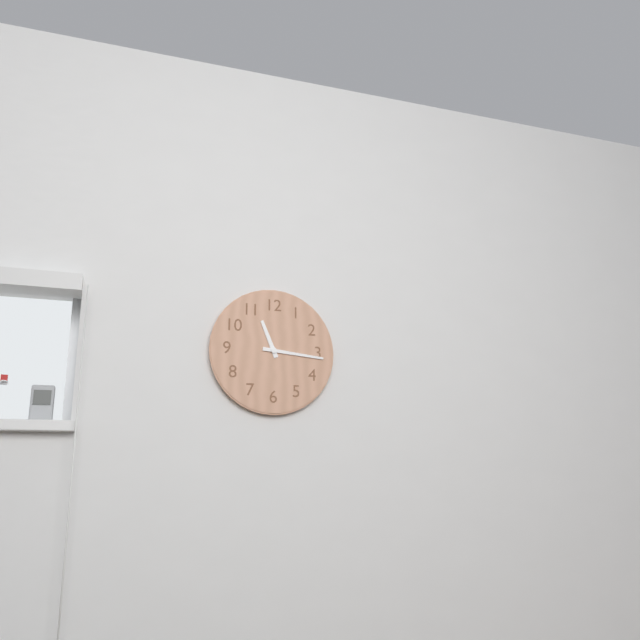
{"hour": 11, "minute": 16}
